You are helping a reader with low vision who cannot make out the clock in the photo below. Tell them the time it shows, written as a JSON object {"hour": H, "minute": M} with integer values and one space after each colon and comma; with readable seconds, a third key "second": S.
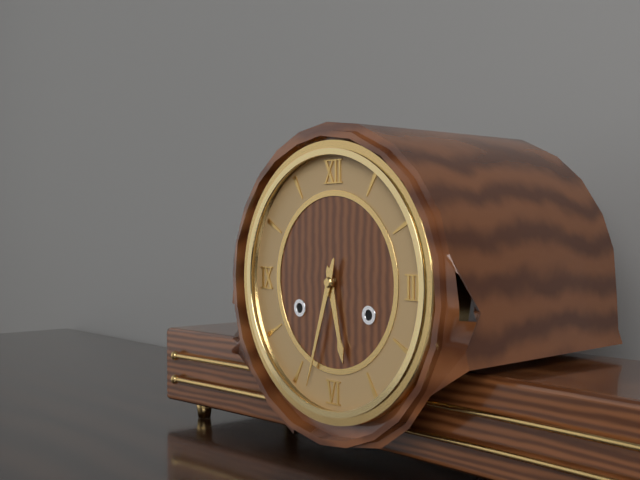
{"hour": 5, "minute": 33}
